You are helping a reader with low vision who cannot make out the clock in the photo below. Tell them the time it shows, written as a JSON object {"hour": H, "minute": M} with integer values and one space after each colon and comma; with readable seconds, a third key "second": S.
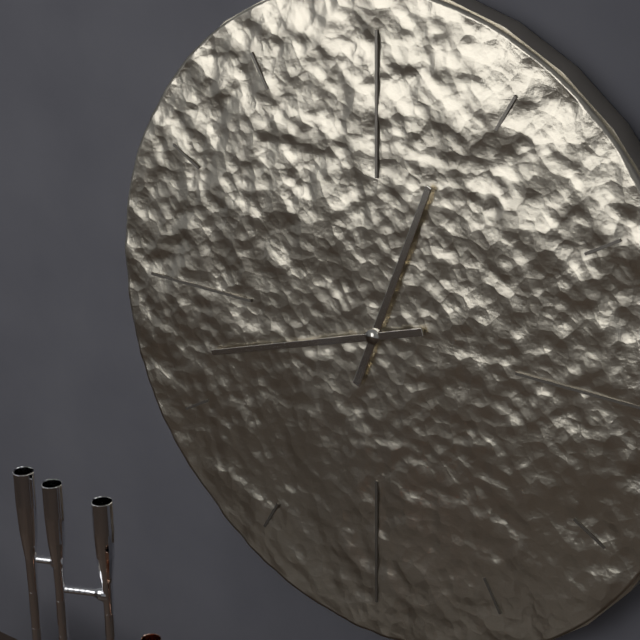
{"hour": 12, "minute": 42}
